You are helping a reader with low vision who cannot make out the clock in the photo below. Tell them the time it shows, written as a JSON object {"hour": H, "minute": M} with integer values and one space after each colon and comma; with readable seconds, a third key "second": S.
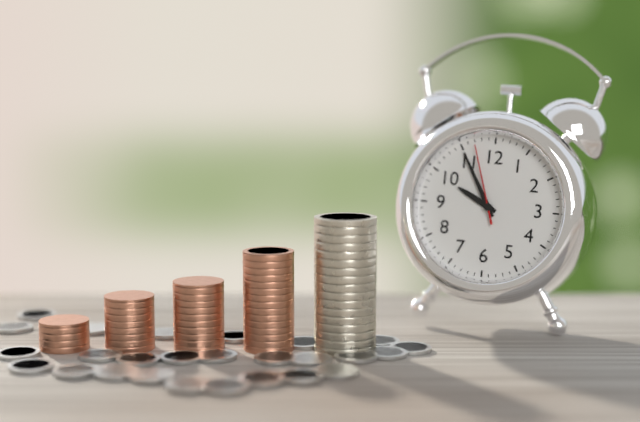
{"hour": 9, "minute": 55, "second": 57}
